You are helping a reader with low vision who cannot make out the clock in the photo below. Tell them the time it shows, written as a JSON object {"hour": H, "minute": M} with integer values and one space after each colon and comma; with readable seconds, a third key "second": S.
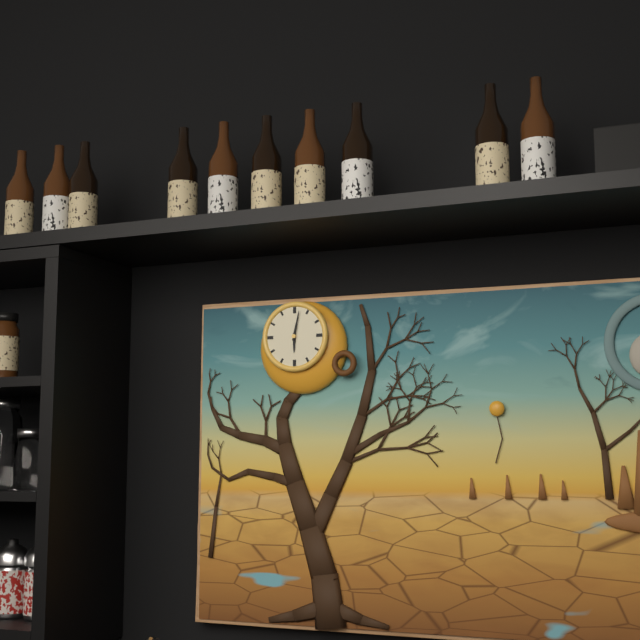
{"hour": 6, "minute": 2}
